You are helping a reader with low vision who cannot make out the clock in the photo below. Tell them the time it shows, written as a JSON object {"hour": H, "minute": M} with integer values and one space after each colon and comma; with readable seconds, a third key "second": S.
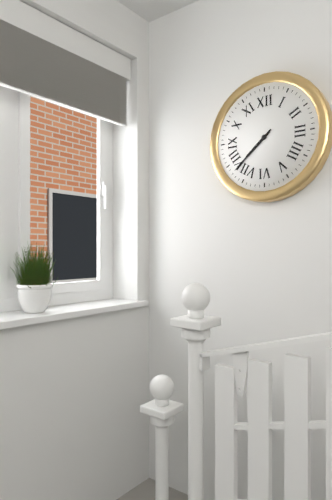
{"hour": 7, "minute": 38}
